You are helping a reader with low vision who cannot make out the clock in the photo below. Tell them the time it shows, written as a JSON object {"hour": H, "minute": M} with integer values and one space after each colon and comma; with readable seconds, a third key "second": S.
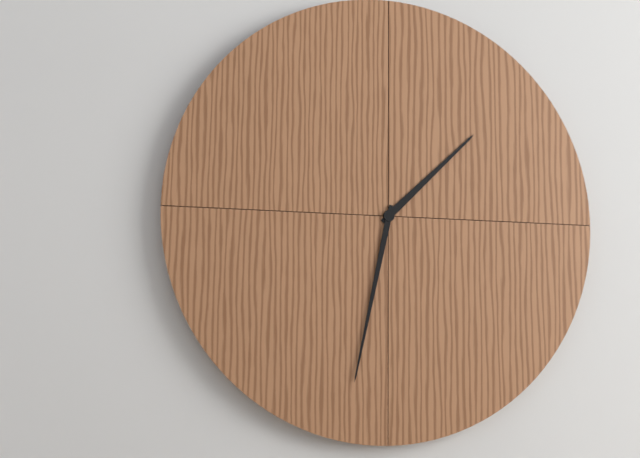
{"hour": 1, "minute": 32}
